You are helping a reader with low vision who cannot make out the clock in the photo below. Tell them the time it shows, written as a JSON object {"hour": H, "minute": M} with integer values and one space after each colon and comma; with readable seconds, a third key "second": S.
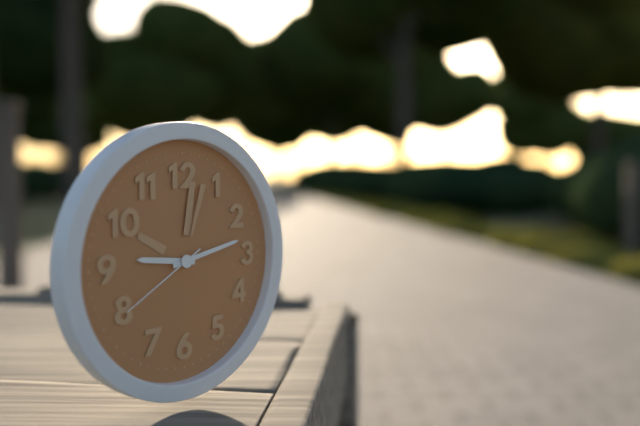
{"hour": 9, "minute": 13, "second": 40}
